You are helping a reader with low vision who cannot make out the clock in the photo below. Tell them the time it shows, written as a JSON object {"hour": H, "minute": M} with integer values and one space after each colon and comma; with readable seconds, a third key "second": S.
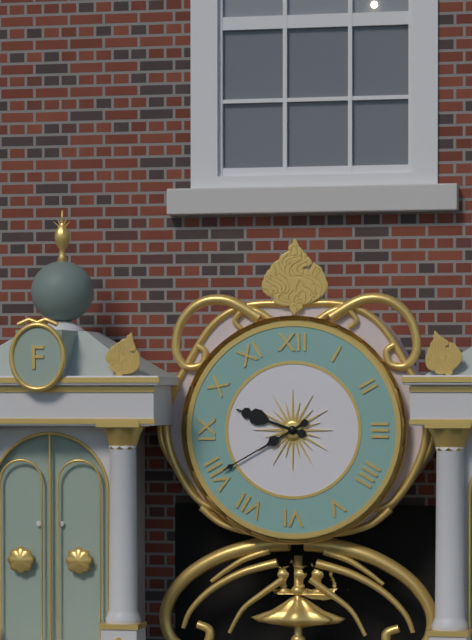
{"hour": 9, "minute": 40}
